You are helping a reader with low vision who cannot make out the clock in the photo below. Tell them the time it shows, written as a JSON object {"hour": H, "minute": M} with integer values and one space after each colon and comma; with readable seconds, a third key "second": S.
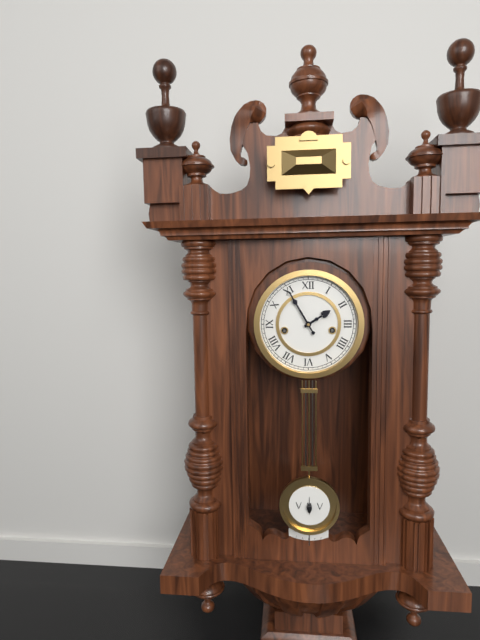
{"hour": 1, "minute": 55}
